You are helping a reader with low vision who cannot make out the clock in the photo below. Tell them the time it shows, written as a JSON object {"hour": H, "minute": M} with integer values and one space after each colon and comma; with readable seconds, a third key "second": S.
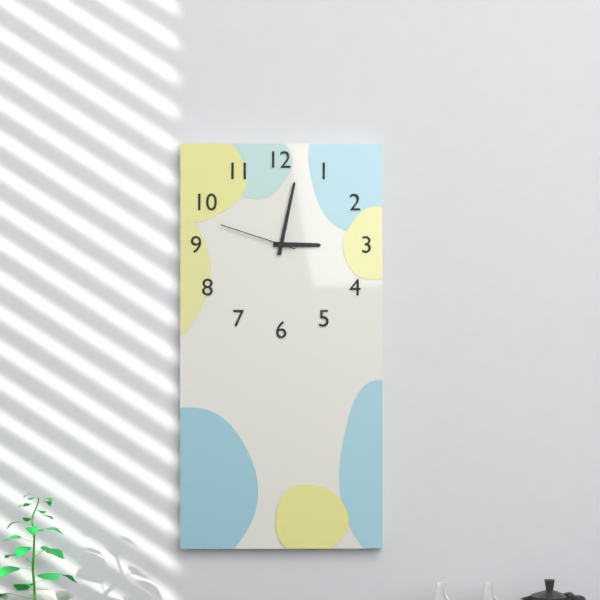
{"hour": 3, "minute": 2, "second": 48}
